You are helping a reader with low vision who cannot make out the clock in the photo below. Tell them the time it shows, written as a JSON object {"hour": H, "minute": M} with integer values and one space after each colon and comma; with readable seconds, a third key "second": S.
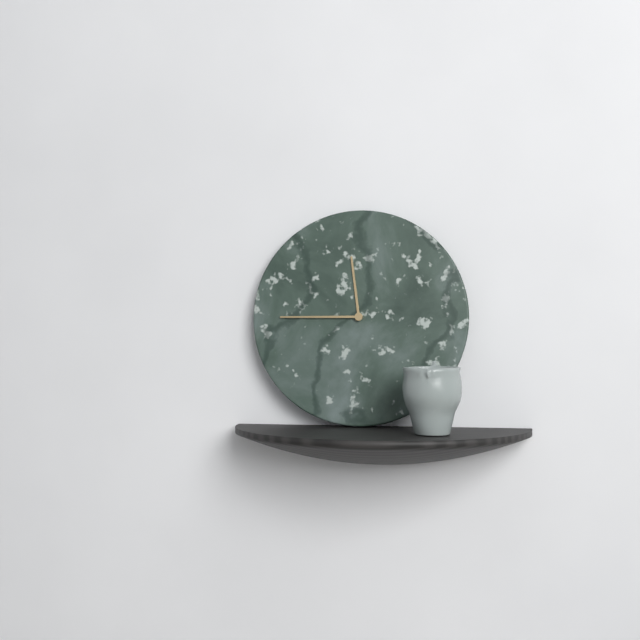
{"hour": 11, "minute": 45}
